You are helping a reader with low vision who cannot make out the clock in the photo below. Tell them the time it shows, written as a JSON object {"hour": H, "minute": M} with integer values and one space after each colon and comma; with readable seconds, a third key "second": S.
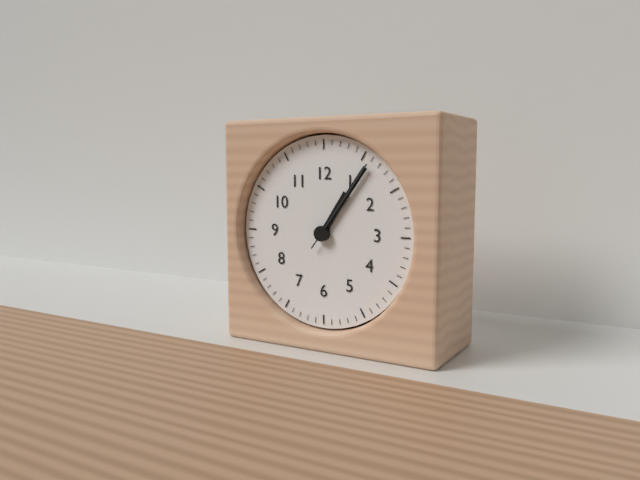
{"hour": 1, "minute": 6, "second": 6}
